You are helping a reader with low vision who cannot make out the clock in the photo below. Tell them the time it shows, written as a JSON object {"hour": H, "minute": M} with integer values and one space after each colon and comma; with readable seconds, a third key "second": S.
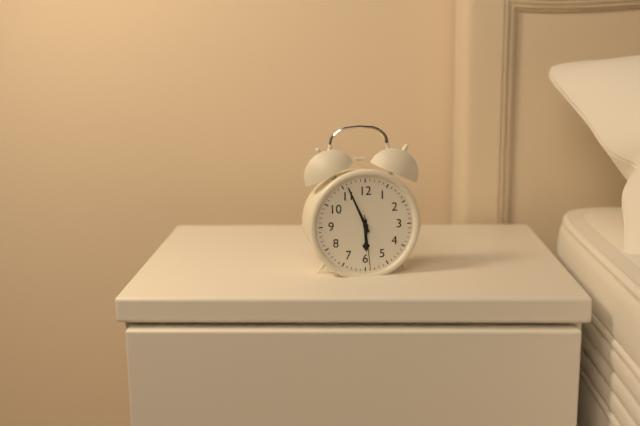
{"hour": 5, "minute": 56, "second": 29}
